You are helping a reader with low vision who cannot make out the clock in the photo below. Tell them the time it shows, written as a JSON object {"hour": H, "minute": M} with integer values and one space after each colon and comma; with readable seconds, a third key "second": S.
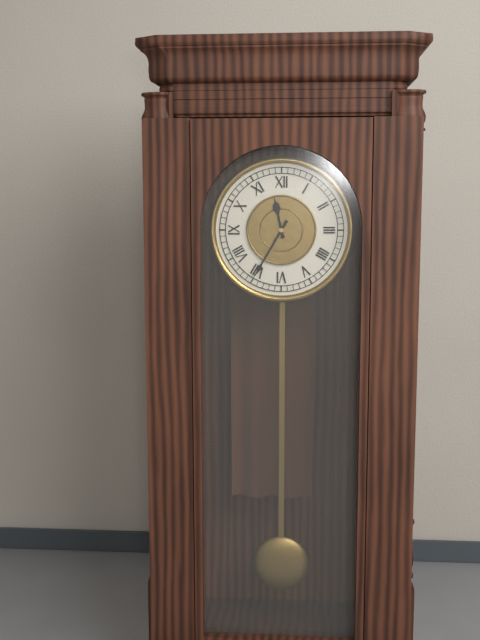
{"hour": 11, "minute": 35}
